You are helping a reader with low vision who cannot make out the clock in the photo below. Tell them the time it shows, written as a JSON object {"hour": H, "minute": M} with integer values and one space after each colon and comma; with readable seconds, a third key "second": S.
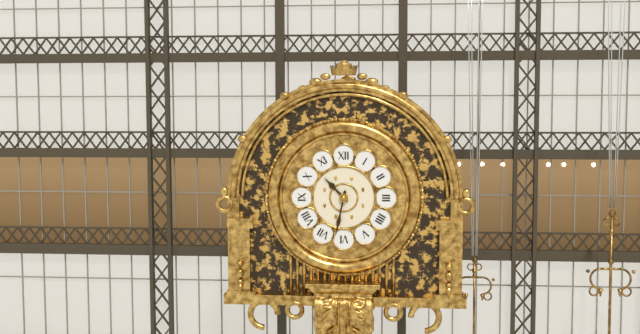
{"hour": 10, "minute": 32}
